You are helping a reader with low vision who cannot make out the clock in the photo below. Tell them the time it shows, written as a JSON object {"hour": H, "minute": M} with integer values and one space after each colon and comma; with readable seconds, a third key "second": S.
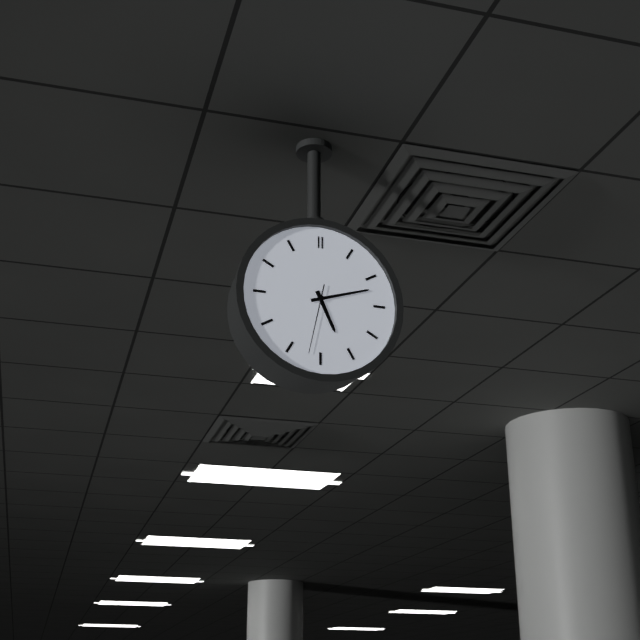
{"hour": 5, "minute": 12, "second": 32}
